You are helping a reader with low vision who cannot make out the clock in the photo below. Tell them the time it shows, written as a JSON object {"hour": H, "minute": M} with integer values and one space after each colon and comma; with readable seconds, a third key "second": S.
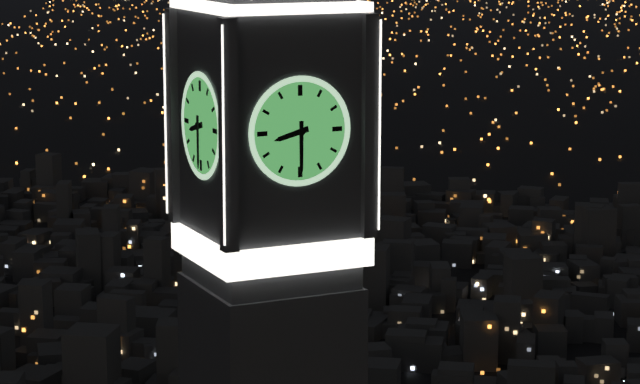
{"hour": 8, "minute": 30}
